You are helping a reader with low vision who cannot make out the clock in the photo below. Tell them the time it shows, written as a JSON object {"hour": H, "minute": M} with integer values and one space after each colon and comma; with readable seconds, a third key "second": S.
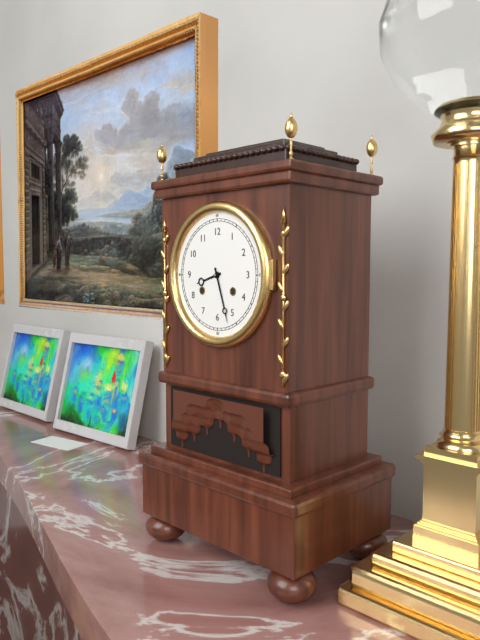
{"hour": 8, "minute": 27}
